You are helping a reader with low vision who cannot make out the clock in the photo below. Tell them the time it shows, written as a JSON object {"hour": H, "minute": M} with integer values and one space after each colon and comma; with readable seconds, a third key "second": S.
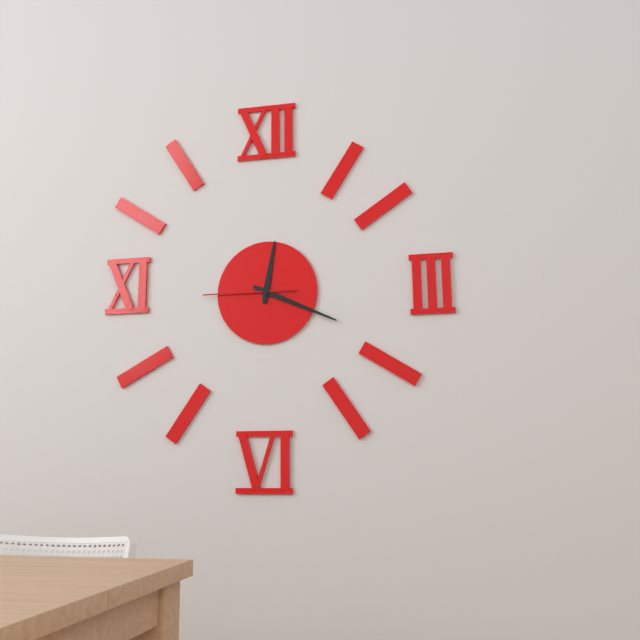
{"hour": 12, "minute": 19, "second": 45}
